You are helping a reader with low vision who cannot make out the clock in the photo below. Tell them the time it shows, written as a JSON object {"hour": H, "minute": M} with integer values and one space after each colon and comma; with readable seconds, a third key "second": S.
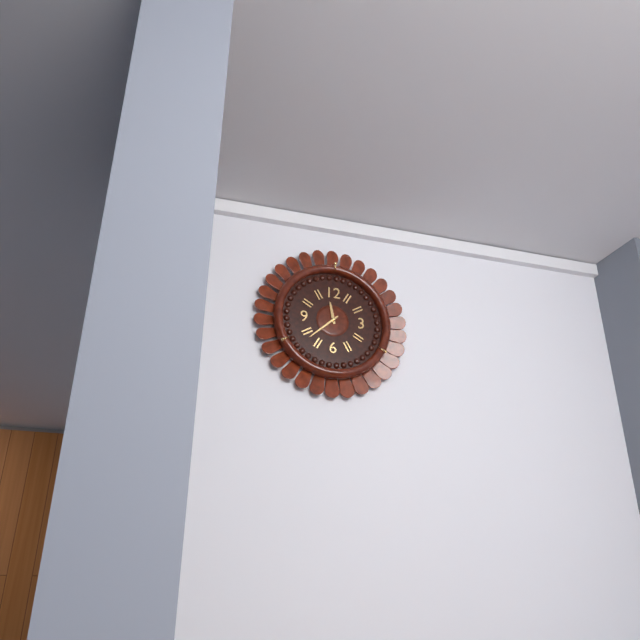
{"hour": 11, "minute": 38}
